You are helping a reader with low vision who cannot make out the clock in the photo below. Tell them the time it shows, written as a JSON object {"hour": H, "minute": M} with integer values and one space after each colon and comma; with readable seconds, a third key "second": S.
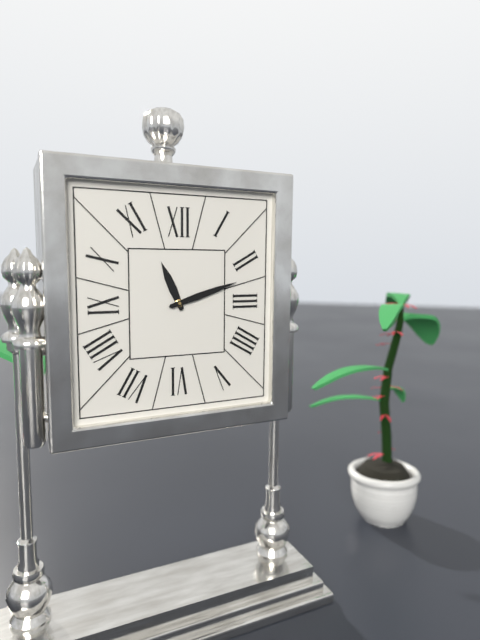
{"hour": 11, "minute": 12}
